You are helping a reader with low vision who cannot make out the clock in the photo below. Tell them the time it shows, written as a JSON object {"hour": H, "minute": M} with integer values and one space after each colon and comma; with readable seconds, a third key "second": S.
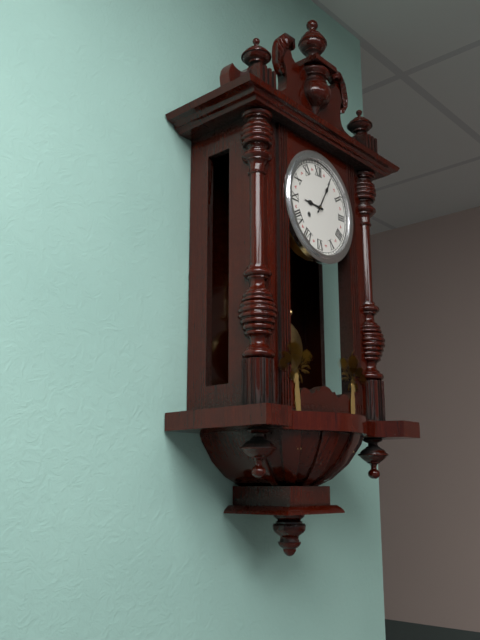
{"hour": 9, "minute": 5}
